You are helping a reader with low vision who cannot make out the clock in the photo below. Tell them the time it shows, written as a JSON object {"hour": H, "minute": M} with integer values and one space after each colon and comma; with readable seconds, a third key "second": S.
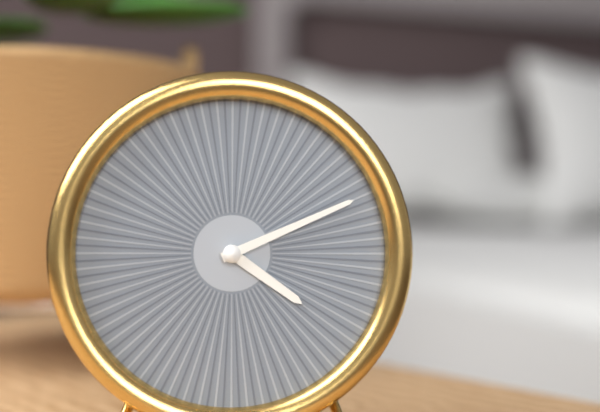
{"hour": 4, "minute": 11}
